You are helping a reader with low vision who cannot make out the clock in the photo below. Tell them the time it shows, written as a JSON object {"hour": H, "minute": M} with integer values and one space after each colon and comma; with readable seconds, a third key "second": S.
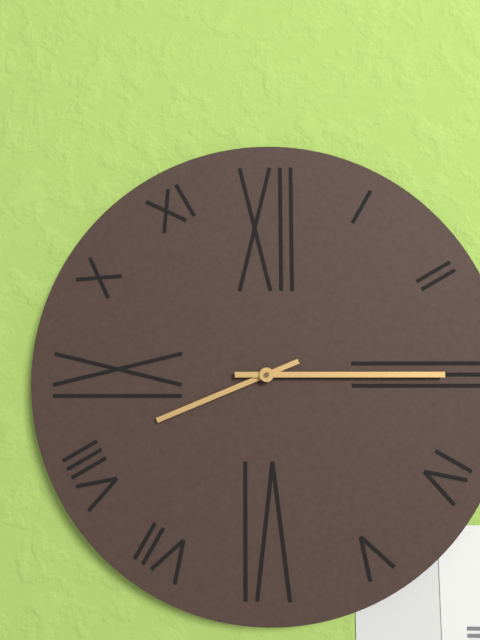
{"hour": 8, "minute": 15}
